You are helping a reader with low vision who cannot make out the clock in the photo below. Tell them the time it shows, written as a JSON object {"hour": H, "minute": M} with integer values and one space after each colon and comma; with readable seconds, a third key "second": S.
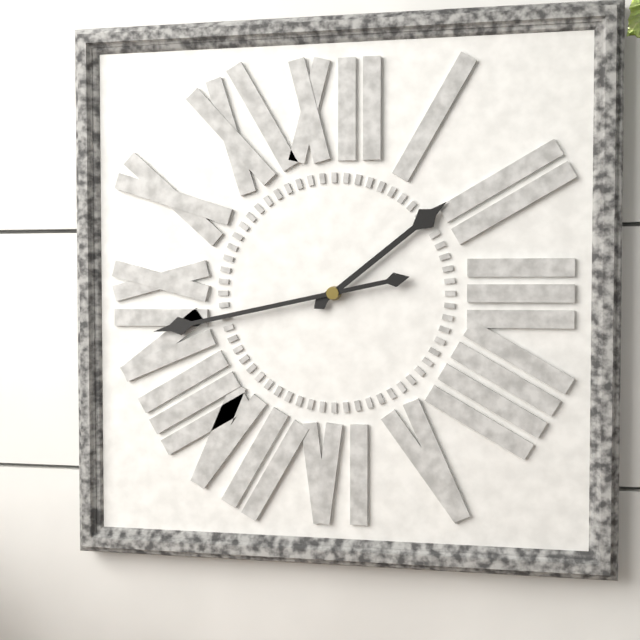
{"hour": 1, "minute": 43}
